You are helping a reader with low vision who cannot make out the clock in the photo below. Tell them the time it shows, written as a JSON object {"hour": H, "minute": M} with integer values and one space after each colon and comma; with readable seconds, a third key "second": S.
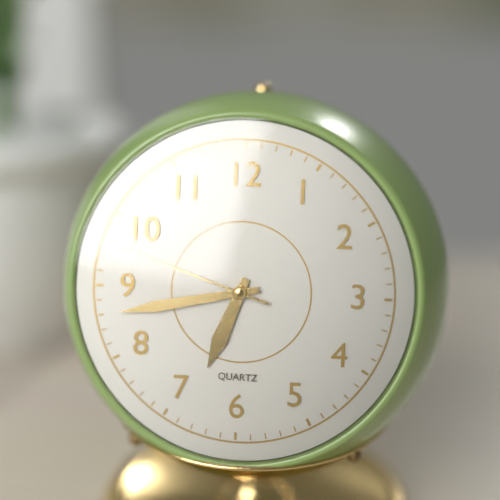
{"hour": 6, "minute": 43, "second": 48}
